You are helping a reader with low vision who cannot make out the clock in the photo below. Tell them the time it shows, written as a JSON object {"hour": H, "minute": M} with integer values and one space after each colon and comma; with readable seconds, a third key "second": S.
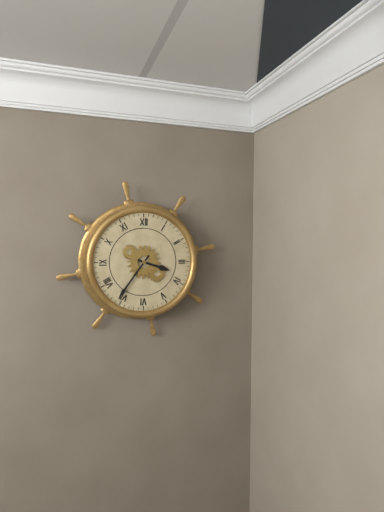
{"hour": 3, "minute": 36}
